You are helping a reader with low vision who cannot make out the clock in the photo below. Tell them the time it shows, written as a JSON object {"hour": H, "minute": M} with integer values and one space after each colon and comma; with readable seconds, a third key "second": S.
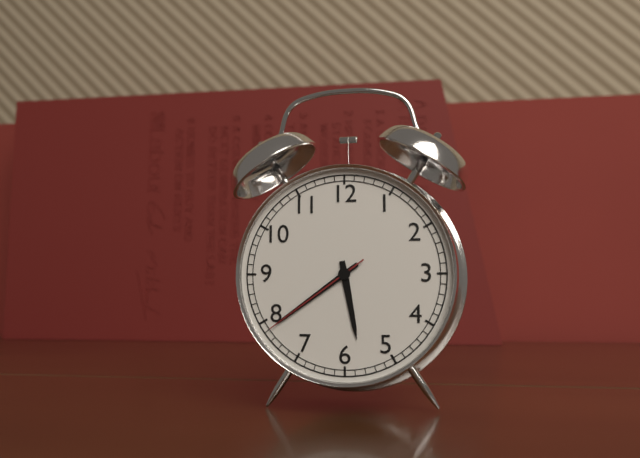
{"hour": 5, "minute": 39, "second": 39}
